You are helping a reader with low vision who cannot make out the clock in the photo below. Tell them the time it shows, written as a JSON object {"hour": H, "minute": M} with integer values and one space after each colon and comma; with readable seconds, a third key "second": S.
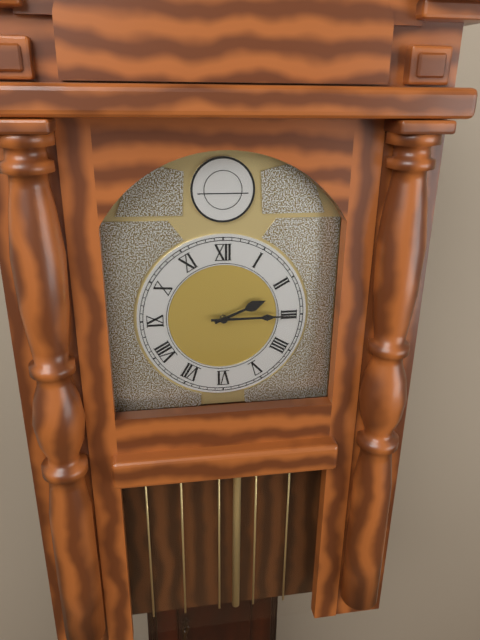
{"hour": 2, "minute": 15}
